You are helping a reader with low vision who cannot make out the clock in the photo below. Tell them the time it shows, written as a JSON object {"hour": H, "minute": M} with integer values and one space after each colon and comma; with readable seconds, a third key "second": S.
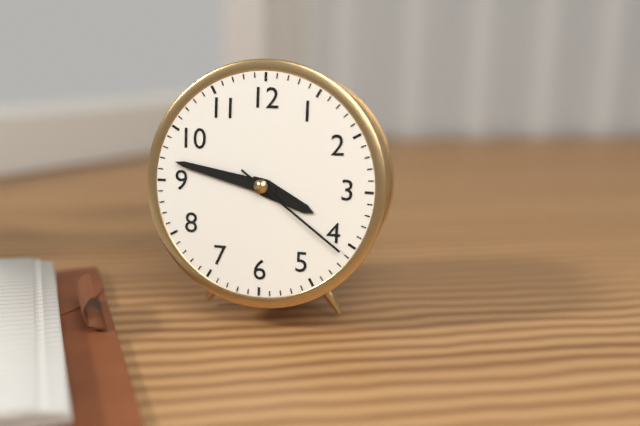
{"hour": 3, "minute": 47, "second": 21}
